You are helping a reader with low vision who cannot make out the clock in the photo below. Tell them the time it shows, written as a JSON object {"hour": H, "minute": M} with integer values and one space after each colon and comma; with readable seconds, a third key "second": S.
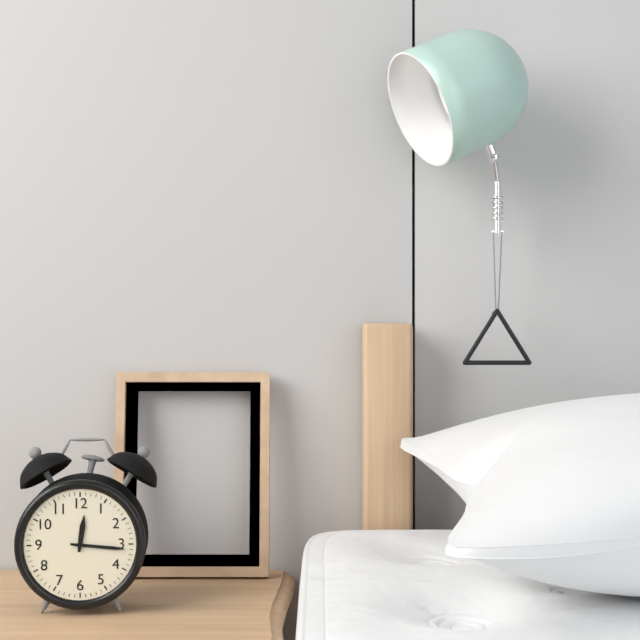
{"hour": 12, "minute": 16}
